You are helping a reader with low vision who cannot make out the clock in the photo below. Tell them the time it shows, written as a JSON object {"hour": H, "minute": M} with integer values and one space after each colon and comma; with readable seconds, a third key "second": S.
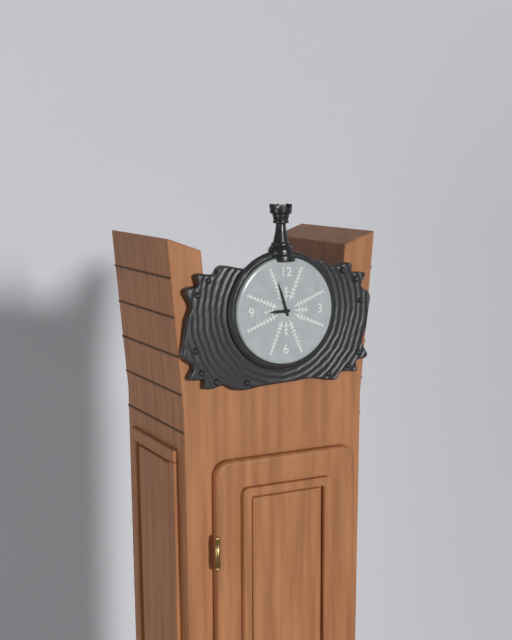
{"hour": 8, "minute": 57}
